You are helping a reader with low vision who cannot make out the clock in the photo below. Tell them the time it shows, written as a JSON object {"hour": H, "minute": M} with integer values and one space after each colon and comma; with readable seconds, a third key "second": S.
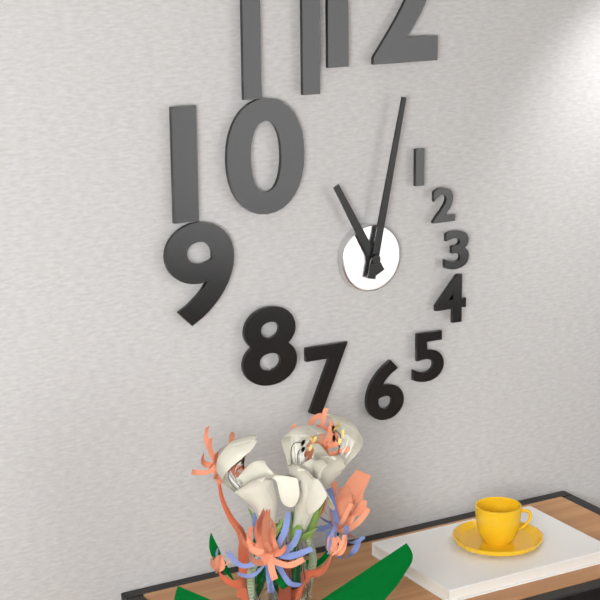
{"hour": 11, "minute": 2}
